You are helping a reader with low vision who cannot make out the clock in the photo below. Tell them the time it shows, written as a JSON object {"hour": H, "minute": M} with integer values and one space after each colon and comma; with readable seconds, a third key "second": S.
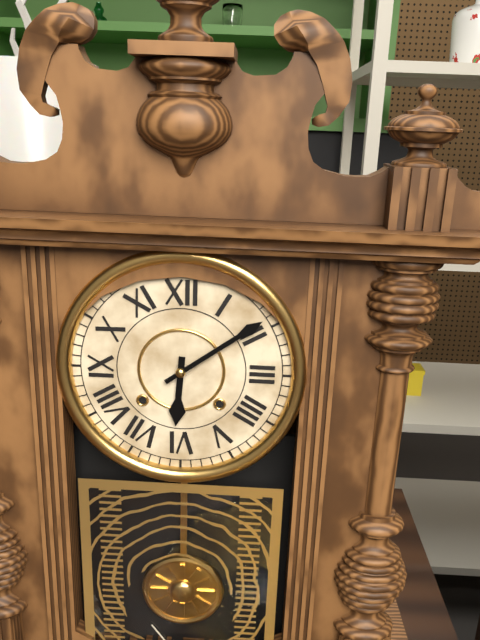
{"hour": 6, "minute": 9}
